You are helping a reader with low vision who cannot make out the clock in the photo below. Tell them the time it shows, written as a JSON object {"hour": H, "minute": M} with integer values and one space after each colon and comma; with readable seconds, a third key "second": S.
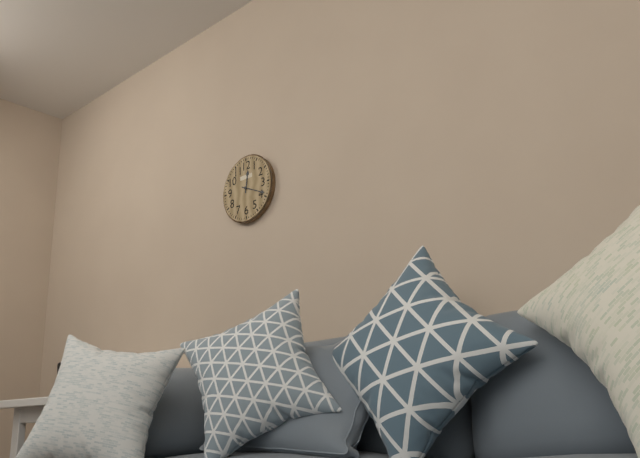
{"hour": 12, "minute": 19}
